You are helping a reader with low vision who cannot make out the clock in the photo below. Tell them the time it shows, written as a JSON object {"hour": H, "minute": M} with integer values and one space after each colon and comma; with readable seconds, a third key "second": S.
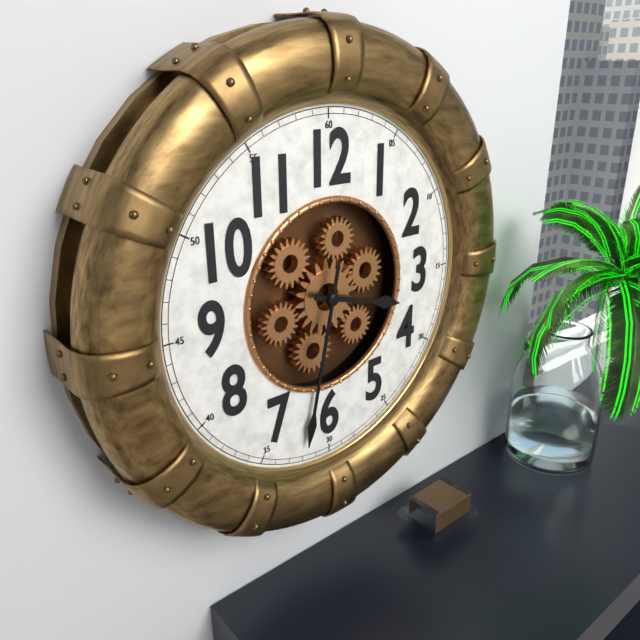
{"hour": 3, "minute": 32}
